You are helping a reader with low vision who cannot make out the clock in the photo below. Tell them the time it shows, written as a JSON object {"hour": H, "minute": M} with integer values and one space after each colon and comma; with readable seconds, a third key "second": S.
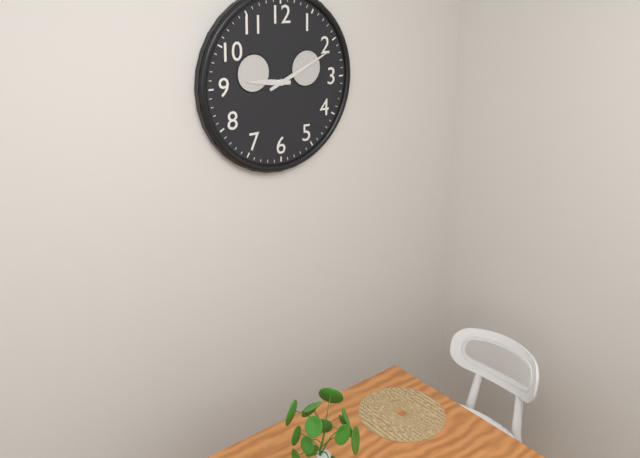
{"hour": 9, "minute": 11}
